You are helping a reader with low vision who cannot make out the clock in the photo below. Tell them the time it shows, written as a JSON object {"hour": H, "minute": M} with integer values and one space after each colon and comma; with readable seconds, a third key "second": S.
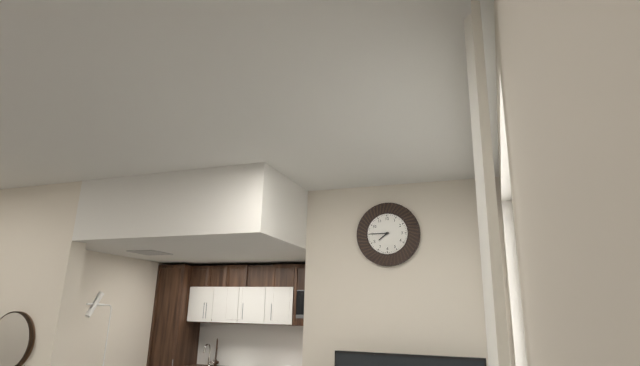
{"hour": 7, "minute": 45}
